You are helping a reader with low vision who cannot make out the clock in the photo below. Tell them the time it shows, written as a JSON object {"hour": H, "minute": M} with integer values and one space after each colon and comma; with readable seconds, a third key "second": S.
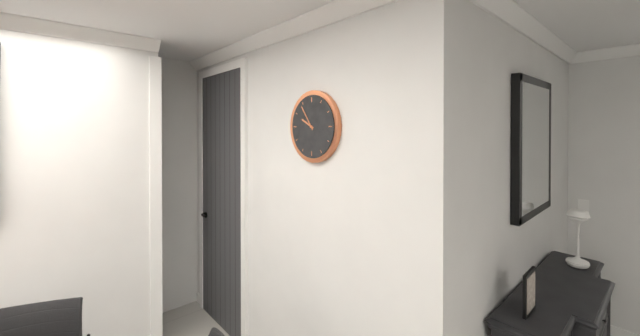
{"hour": 9, "minute": 54}
